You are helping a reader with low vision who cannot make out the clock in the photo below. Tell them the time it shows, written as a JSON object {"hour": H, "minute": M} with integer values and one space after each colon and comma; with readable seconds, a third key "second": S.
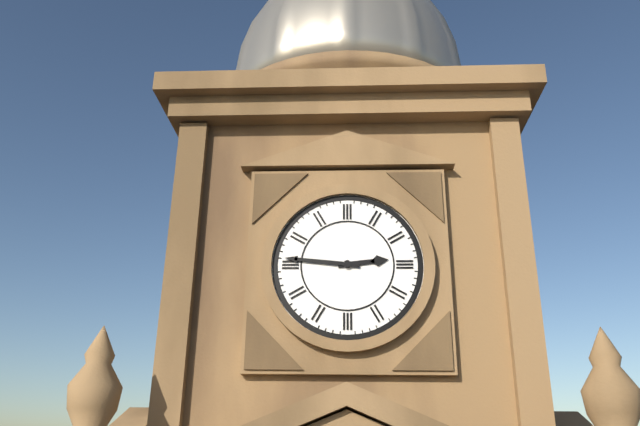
{"hour": 2, "minute": 46}
